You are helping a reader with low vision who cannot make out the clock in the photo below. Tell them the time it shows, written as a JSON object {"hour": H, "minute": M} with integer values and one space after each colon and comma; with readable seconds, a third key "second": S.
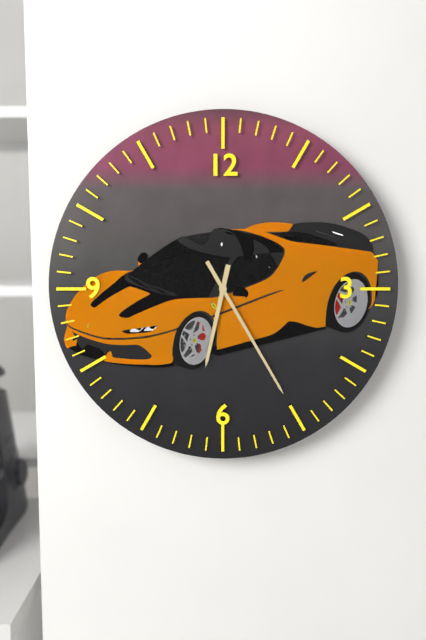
{"hour": 6, "minute": 25}
